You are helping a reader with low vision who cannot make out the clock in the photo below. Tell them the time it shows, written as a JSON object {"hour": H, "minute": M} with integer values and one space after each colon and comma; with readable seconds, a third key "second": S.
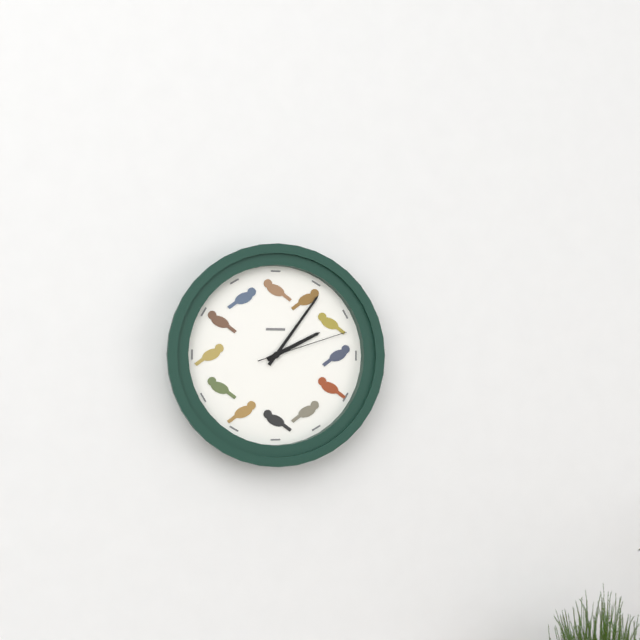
{"hour": 2, "minute": 6, "second": 12}
